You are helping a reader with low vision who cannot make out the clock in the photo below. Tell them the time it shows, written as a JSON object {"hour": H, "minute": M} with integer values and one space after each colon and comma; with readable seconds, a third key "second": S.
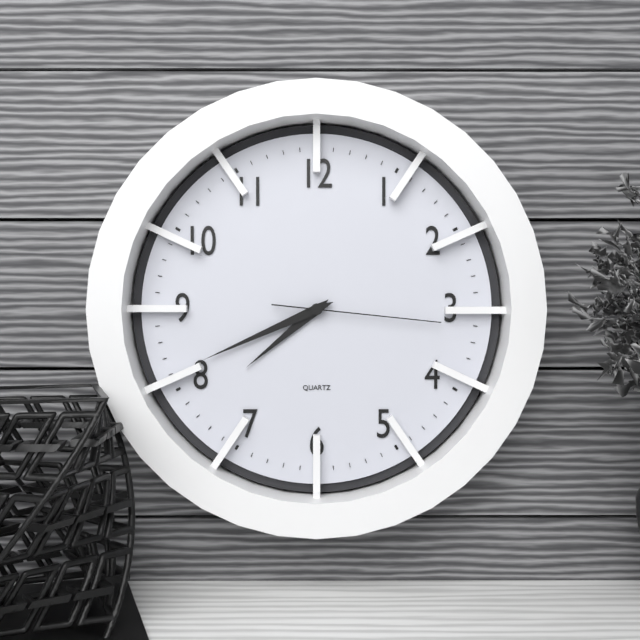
{"hour": 7, "minute": 41, "second": 16}
